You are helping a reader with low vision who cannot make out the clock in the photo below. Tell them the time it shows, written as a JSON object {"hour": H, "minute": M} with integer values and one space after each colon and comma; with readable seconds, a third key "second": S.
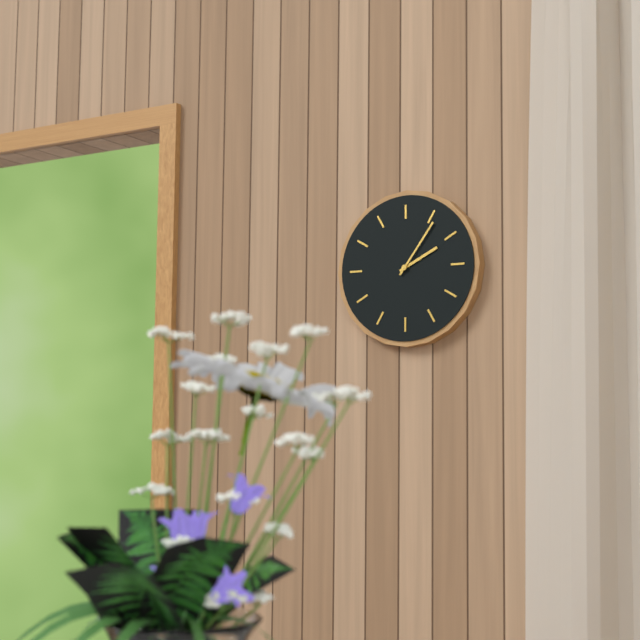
{"hour": 2, "minute": 6}
